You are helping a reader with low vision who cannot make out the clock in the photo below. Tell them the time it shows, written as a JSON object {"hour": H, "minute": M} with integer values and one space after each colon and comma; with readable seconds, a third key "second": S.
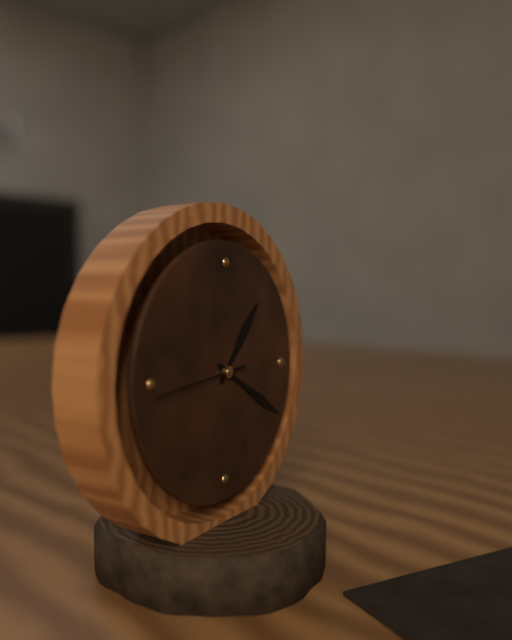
{"hour": 1, "minute": 20, "second": 44}
